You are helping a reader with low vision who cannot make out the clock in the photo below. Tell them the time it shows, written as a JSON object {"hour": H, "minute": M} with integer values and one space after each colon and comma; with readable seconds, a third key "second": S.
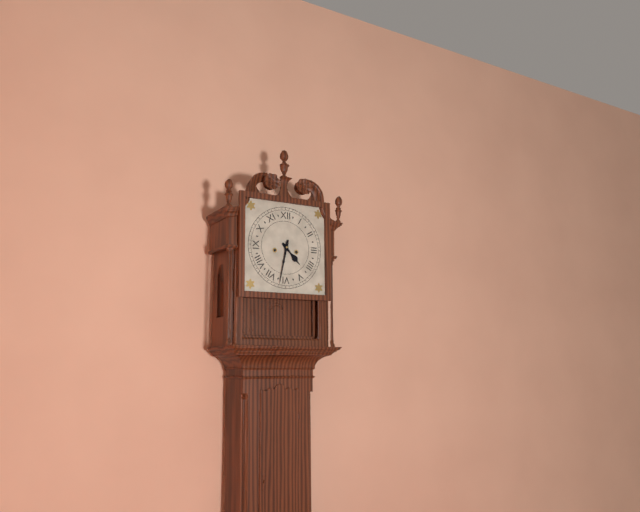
{"hour": 4, "minute": 32}
